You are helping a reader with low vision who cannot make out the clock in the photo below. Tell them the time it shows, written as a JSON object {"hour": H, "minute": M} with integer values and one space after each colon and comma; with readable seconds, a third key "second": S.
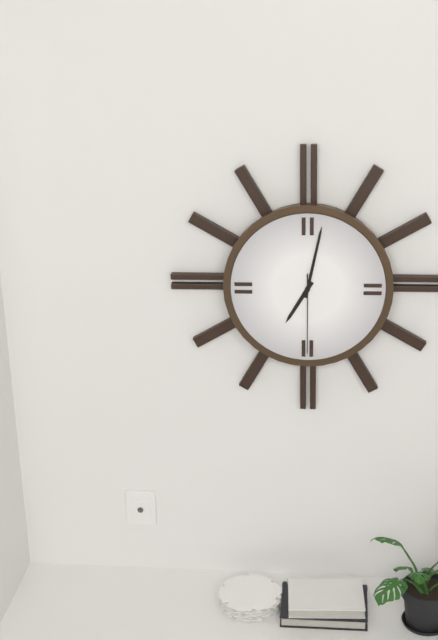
{"hour": 7, "minute": 2, "second": 30}
